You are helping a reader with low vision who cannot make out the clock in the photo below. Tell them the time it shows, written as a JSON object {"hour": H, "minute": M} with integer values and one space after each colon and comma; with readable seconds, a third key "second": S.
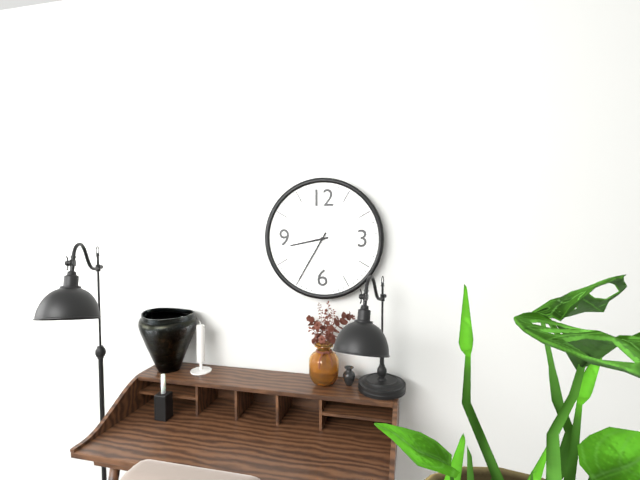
{"hour": 8, "minute": 35}
